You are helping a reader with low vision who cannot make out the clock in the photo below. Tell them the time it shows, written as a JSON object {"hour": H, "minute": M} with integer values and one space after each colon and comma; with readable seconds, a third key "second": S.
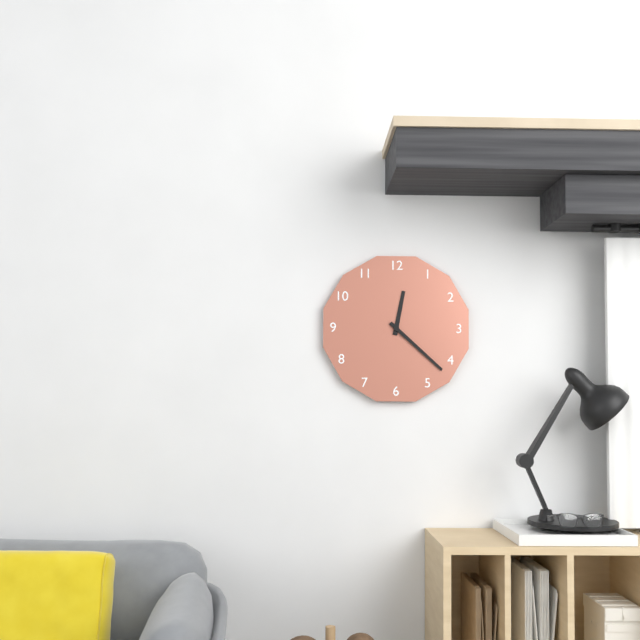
{"hour": 12, "minute": 22}
